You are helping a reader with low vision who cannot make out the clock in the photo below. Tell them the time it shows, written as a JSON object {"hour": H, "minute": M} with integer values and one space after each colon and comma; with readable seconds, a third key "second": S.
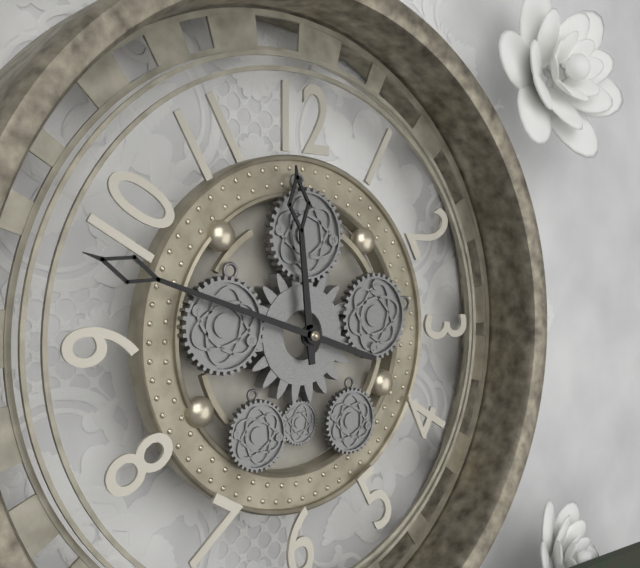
{"hour": 11, "minute": 48}
